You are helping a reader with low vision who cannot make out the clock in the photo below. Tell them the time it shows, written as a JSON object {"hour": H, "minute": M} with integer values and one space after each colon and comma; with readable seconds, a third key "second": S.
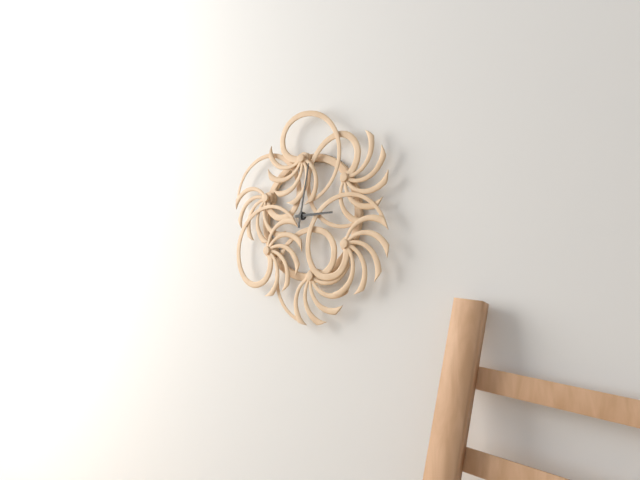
{"hour": 3, "minute": 2}
